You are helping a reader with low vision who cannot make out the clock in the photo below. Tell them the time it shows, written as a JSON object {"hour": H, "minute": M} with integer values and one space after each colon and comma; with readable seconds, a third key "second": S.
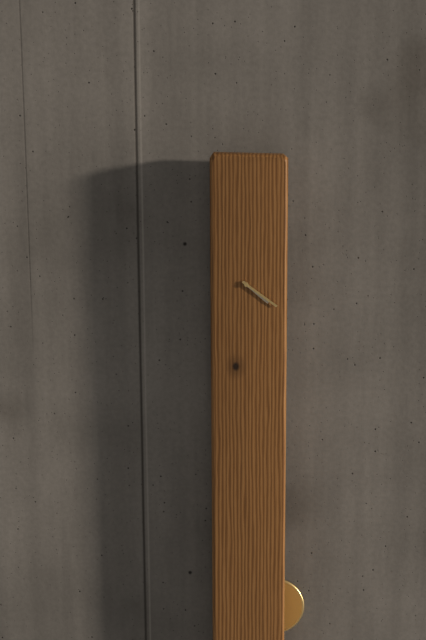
{"hour": 4, "minute": 21}
